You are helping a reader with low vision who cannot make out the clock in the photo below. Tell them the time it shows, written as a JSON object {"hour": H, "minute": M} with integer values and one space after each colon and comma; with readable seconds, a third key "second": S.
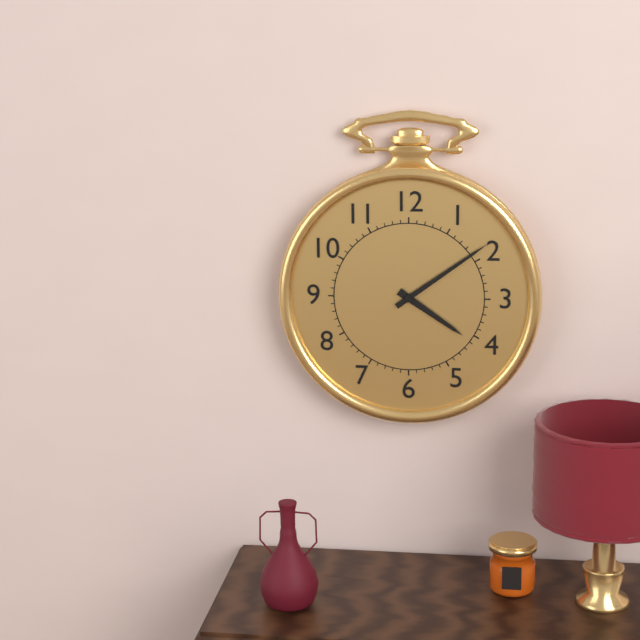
{"hour": 4, "minute": 9}
